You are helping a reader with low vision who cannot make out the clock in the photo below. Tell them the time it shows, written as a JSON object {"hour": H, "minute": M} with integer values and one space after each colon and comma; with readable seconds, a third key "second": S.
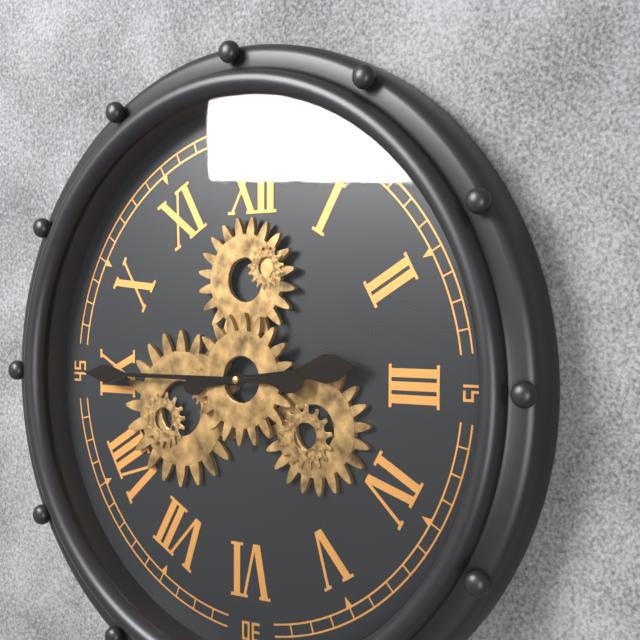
{"hour": 2, "minute": 45}
